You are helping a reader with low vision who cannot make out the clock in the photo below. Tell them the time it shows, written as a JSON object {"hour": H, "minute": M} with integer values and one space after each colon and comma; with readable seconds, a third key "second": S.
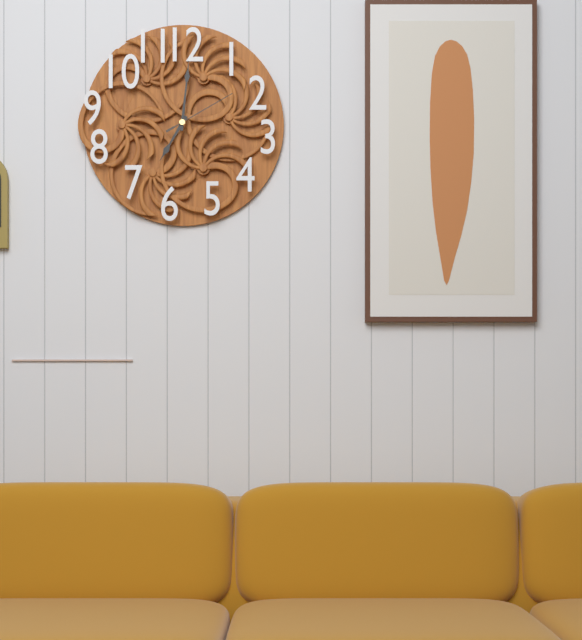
{"hour": 7, "minute": 1, "second": 10}
